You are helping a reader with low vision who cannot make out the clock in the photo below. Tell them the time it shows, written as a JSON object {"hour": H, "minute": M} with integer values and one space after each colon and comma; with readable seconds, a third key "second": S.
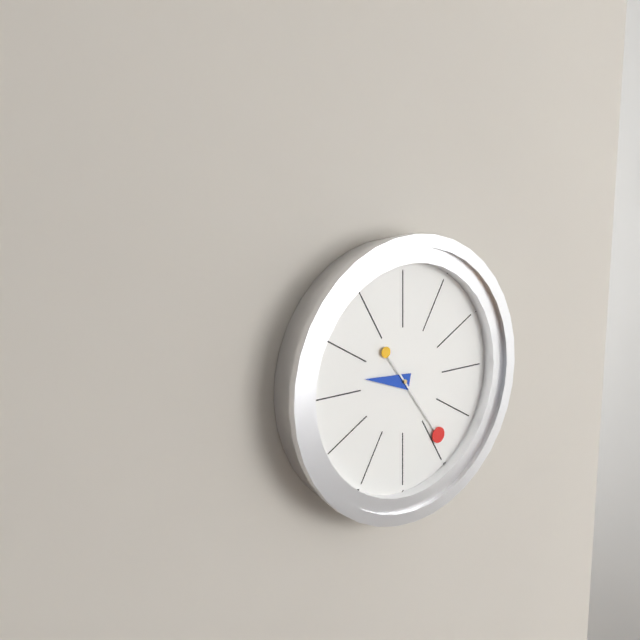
{"hour": 9, "minute": 24}
